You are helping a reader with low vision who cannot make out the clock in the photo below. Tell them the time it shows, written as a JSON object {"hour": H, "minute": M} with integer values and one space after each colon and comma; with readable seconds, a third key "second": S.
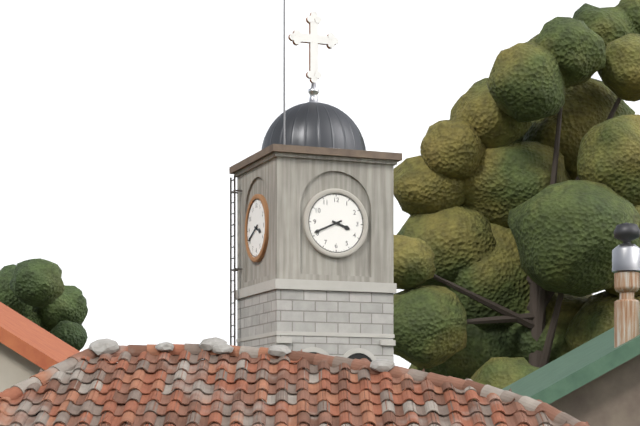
{"hour": 3, "minute": 41}
